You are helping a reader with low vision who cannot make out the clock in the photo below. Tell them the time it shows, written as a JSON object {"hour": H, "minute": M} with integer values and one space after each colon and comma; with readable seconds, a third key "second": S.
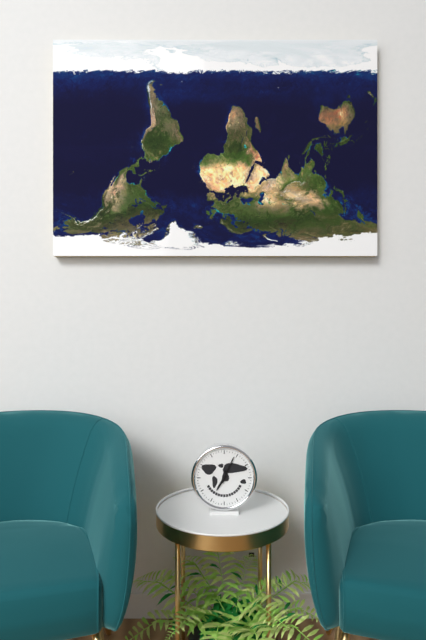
{"hour": 7, "minute": 4}
